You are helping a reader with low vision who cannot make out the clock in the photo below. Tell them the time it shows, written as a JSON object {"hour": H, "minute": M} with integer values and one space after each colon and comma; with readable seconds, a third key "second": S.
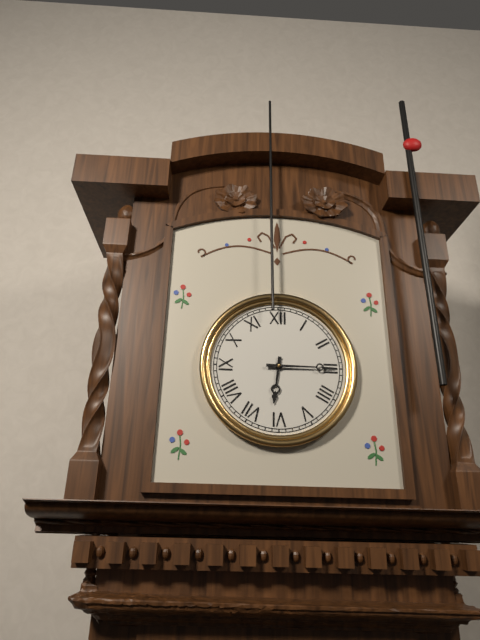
{"hour": 6, "minute": 15}
